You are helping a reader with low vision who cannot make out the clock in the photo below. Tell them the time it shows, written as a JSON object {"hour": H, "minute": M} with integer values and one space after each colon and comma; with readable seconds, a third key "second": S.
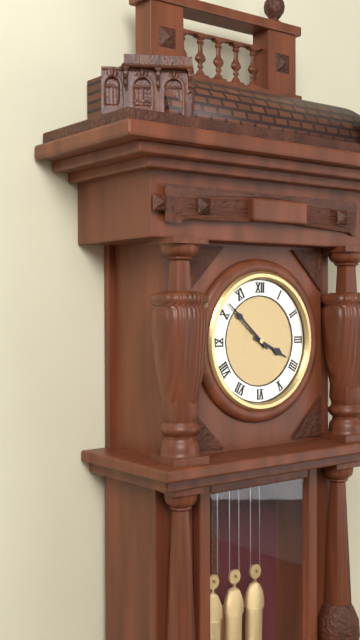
{"hour": 3, "minute": 52}
